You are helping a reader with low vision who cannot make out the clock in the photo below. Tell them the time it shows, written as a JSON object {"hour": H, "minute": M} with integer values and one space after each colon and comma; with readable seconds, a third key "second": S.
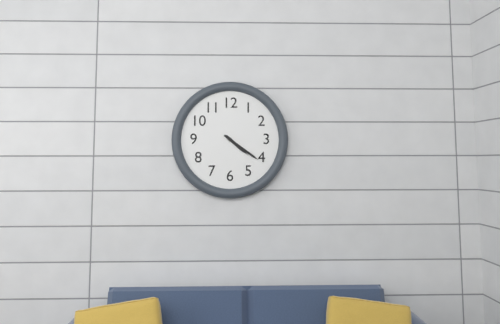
{"hour": 4, "minute": 21}
